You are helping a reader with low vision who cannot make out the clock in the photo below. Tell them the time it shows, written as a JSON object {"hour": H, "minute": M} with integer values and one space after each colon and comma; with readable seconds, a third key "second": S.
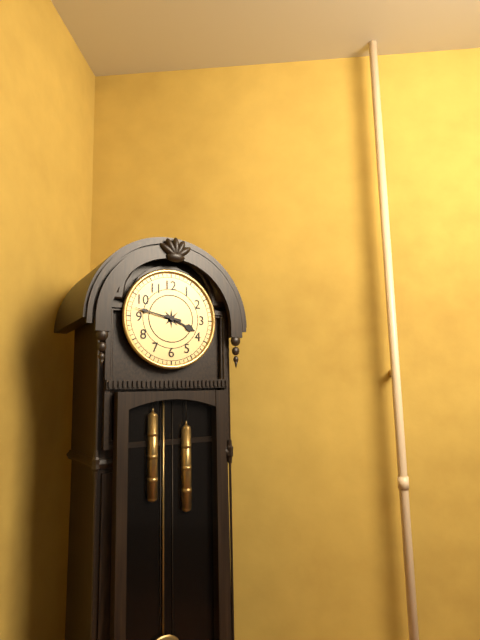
{"hour": 3, "minute": 47}
